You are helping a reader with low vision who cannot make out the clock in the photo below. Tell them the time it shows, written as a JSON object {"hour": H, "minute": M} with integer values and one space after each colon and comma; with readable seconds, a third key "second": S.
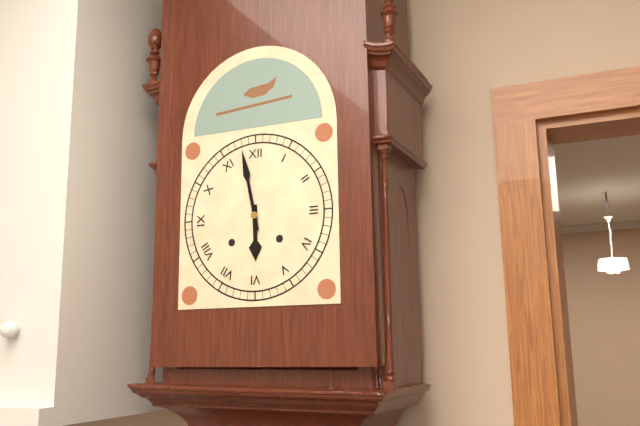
{"hour": 5, "minute": 58}
